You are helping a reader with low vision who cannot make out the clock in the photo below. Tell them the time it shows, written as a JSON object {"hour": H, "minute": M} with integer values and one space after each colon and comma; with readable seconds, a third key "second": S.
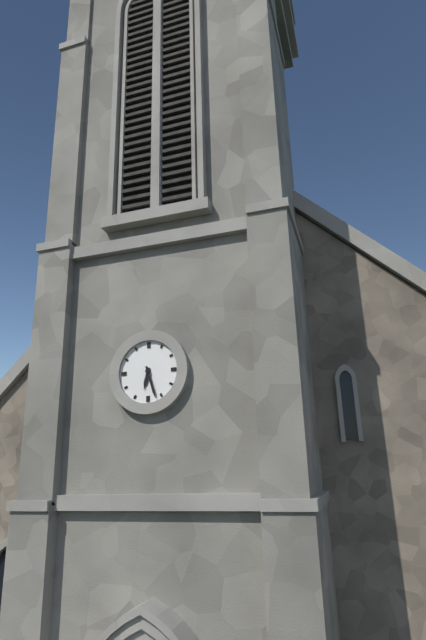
{"hour": 6, "minute": 27}
